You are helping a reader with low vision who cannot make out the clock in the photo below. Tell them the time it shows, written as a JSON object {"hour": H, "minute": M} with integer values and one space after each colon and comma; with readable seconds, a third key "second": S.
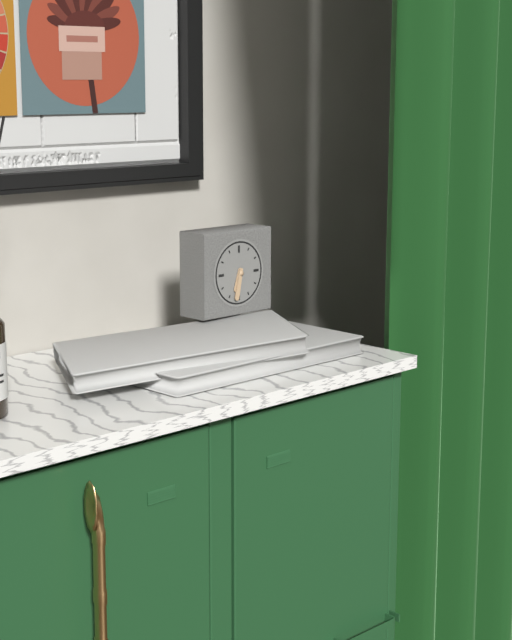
{"hour": 6, "minute": 32}
